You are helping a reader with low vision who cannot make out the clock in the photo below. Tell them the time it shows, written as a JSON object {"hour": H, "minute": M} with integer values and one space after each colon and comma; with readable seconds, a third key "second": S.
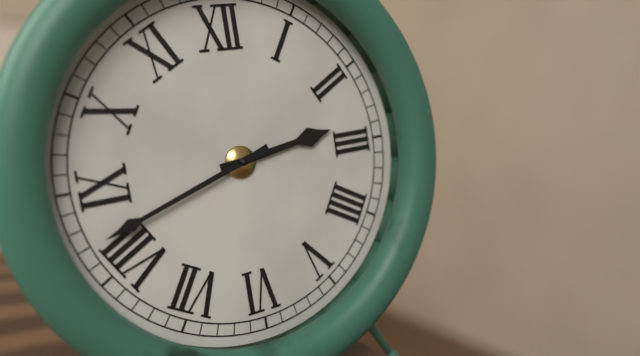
{"hour": 2, "minute": 42}
